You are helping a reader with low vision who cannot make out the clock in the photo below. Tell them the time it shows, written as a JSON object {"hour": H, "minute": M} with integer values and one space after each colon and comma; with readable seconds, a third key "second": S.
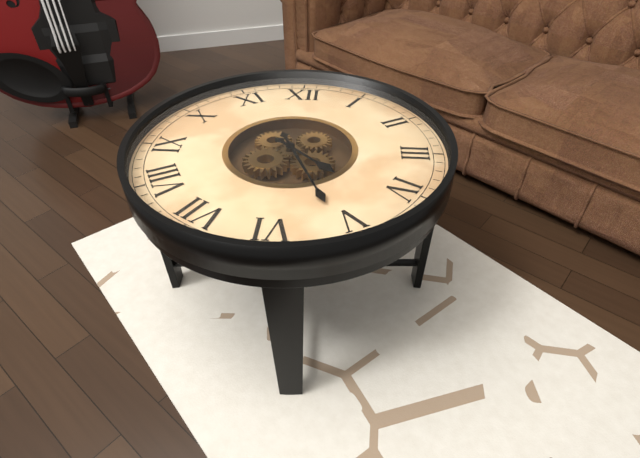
{"hour": 4, "minute": 26}
